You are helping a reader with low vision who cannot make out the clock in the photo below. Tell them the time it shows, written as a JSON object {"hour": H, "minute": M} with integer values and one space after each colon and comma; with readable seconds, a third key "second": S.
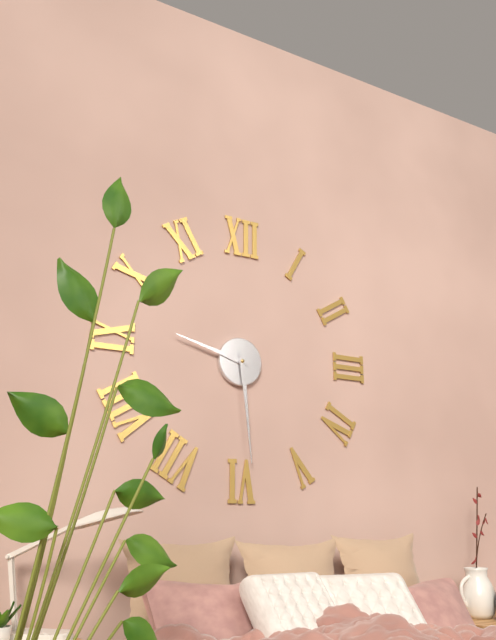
{"hour": 9, "minute": 29}
